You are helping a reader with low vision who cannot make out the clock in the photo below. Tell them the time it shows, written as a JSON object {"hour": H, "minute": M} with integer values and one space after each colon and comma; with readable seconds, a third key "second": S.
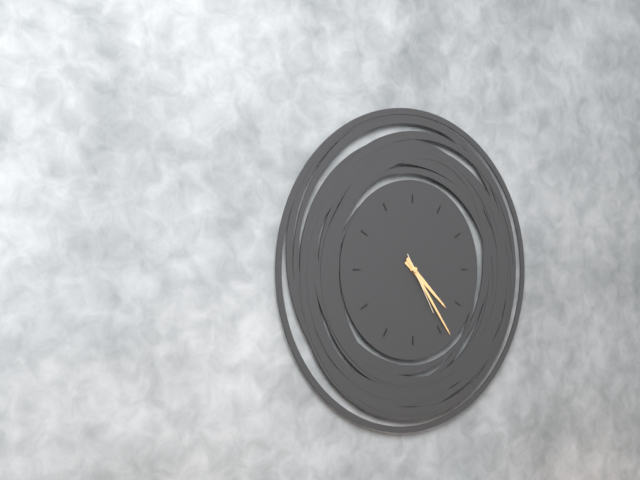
{"hour": 4, "minute": 24, "second": 25}
